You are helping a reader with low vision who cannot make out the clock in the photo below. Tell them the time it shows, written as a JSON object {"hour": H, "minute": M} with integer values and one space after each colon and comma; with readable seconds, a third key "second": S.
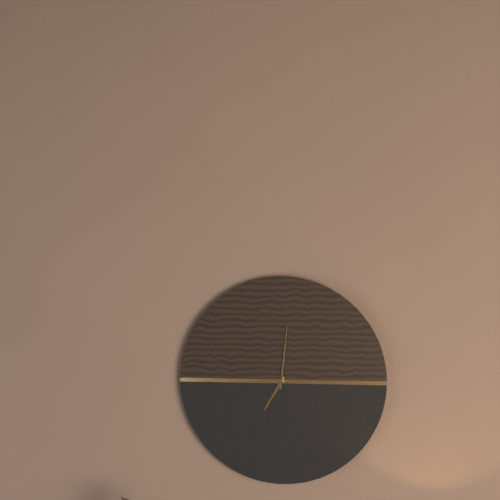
{"hour": 7, "minute": 1}
